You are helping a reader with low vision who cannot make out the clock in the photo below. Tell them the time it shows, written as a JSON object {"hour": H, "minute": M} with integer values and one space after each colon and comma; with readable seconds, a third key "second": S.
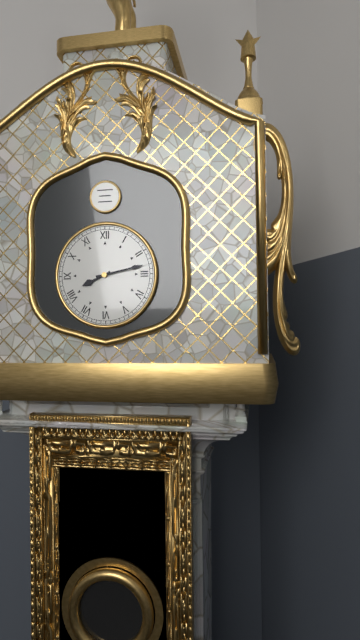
{"hour": 8, "minute": 13}
